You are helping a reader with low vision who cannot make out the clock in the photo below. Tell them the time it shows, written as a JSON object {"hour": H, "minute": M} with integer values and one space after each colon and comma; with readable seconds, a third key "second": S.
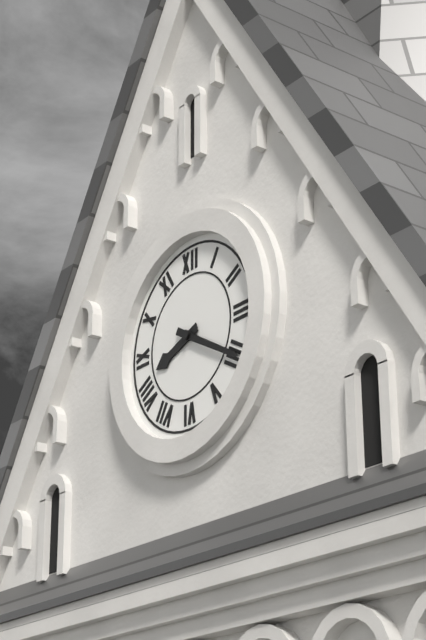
{"hour": 8, "minute": 20}
